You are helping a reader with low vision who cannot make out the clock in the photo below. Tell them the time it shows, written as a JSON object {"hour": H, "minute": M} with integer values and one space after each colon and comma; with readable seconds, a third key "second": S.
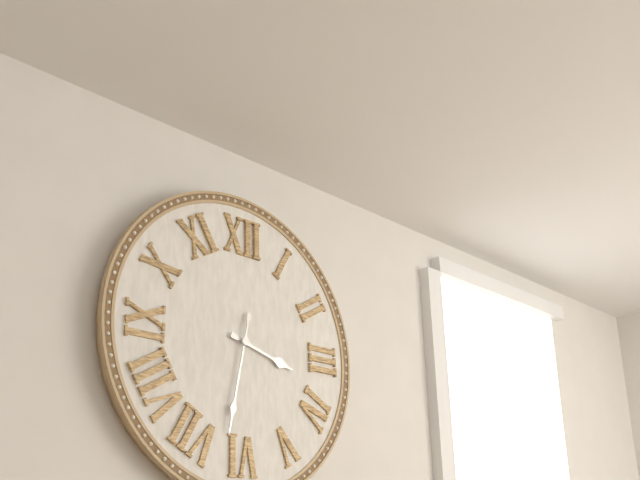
{"hour": 3, "minute": 32}
